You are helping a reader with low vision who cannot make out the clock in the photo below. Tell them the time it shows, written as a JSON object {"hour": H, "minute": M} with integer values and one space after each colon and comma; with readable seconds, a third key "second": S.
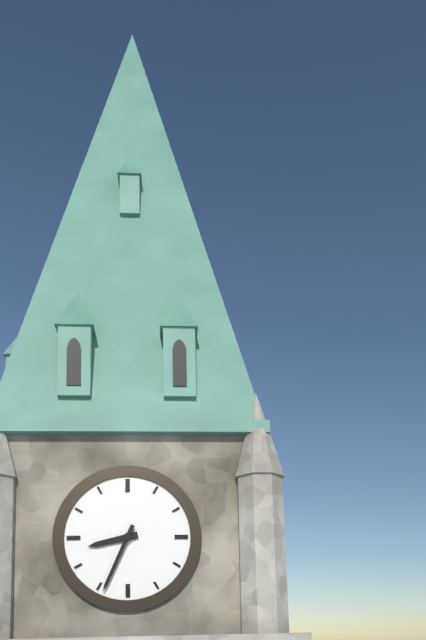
{"hour": 8, "minute": 34}
